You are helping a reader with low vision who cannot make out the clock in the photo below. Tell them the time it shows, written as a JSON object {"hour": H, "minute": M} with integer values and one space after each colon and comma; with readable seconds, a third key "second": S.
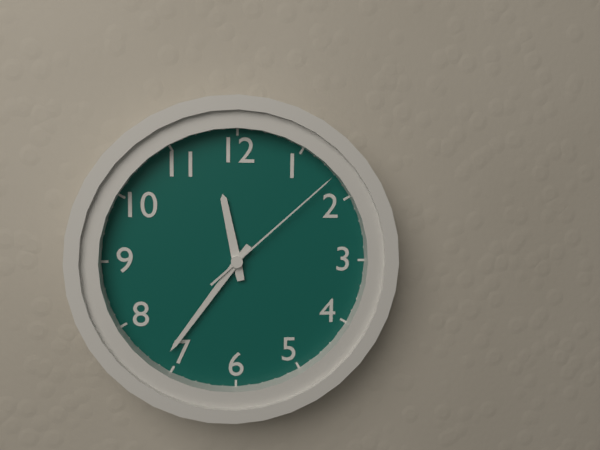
{"hour": 11, "minute": 36, "second": 8}
